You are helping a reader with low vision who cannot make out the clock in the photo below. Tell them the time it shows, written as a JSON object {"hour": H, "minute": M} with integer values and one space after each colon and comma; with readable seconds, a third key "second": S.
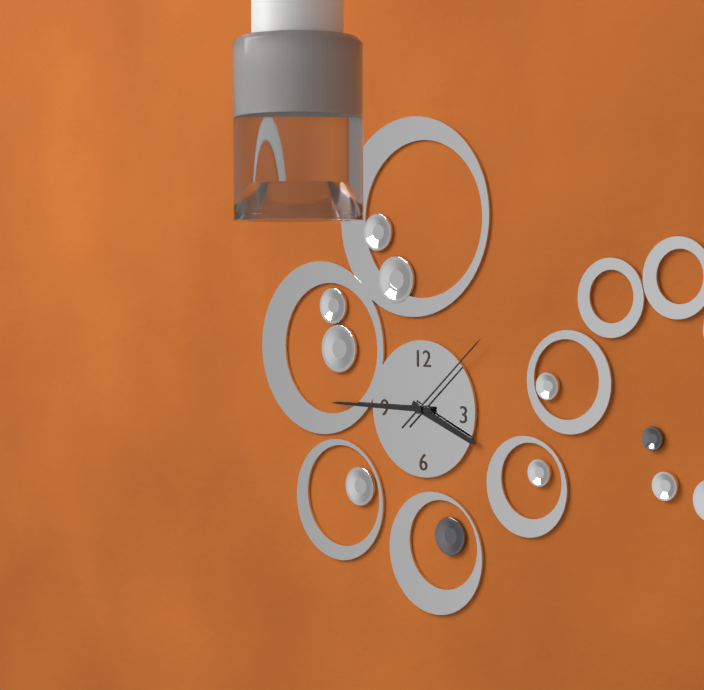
{"hour": 3, "minute": 45, "second": 8}
